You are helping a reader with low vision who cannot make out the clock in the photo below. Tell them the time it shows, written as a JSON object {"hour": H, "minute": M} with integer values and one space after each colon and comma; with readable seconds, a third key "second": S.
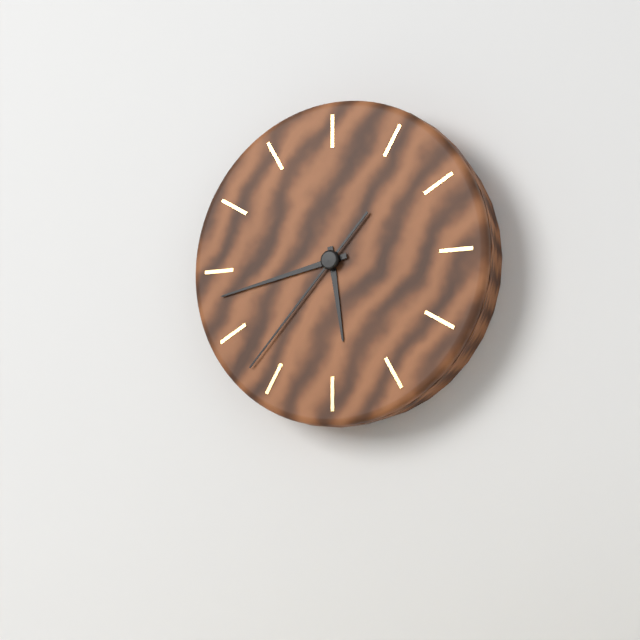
{"hour": 5, "minute": 43, "second": 37}
